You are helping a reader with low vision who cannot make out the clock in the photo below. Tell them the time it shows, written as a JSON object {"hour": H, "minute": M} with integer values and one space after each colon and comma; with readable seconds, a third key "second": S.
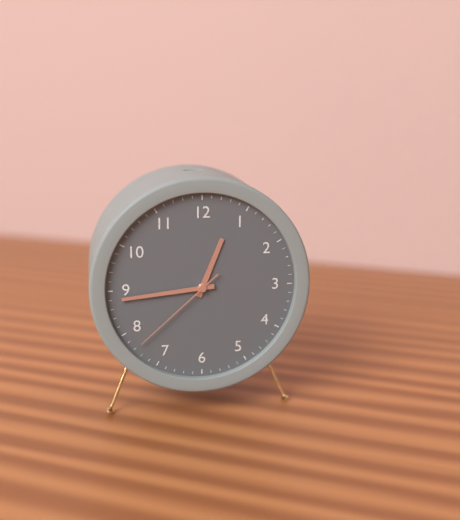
{"hour": 12, "minute": 44, "second": 38}
